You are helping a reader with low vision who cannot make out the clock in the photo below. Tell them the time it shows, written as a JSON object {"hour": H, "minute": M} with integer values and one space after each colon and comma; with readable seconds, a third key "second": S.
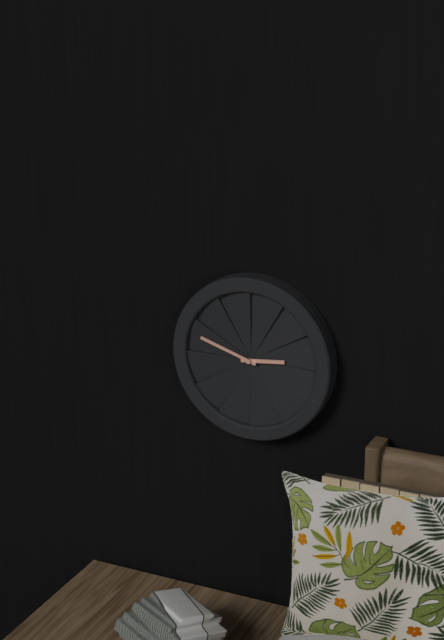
{"hour": 2, "minute": 48}
